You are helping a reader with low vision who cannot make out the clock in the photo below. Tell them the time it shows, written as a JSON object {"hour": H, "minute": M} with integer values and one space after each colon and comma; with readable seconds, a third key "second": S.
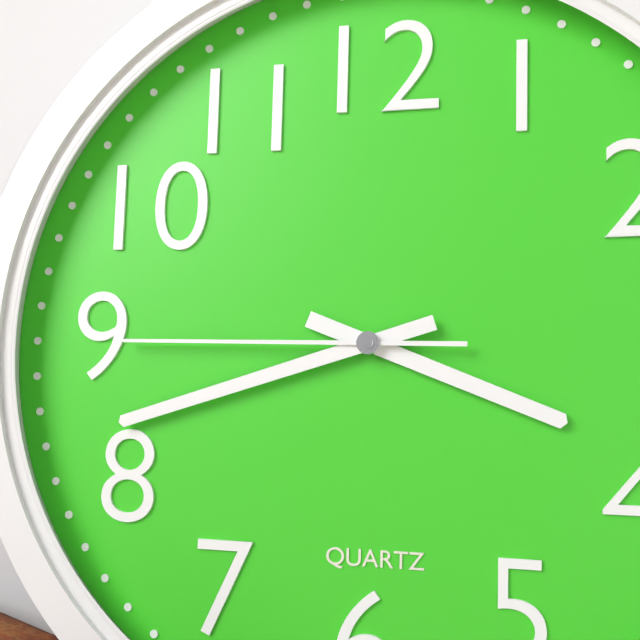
{"hour": 3, "minute": 42, "second": 45}
